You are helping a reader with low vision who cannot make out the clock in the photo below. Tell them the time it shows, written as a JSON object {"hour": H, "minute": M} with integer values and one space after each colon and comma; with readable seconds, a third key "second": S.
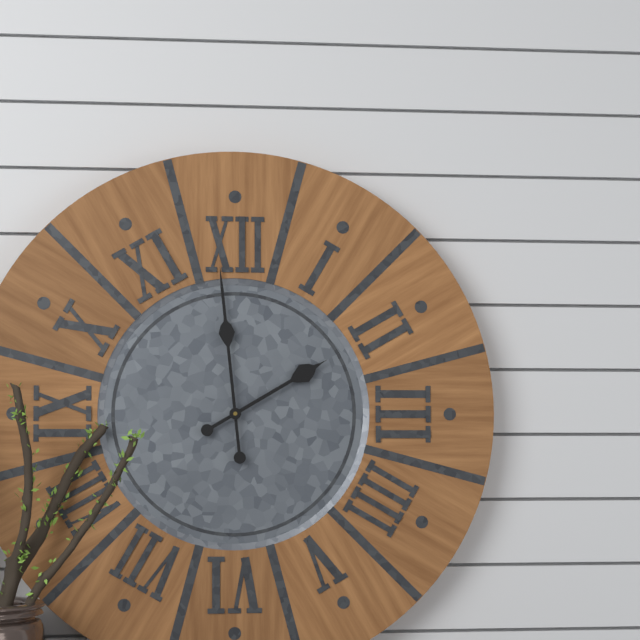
{"hour": 1, "minute": 59}
